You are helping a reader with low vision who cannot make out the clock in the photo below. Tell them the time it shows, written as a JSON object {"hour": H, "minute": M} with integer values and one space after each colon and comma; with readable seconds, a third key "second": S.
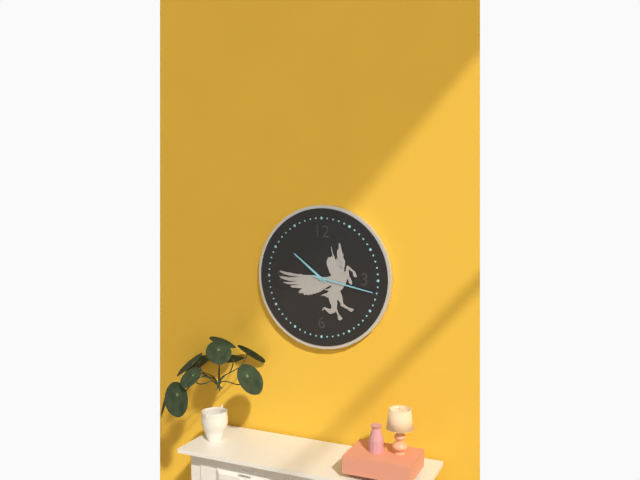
{"hour": 10, "minute": 17}
